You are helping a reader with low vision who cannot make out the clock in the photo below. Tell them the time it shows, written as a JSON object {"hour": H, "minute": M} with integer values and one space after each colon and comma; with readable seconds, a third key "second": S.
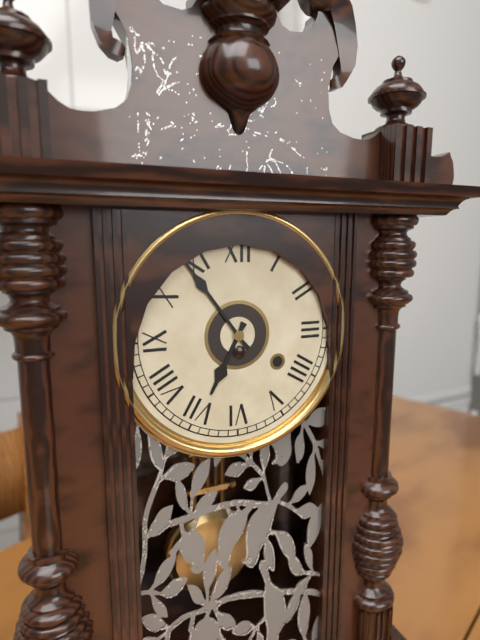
{"hour": 6, "minute": 54}
